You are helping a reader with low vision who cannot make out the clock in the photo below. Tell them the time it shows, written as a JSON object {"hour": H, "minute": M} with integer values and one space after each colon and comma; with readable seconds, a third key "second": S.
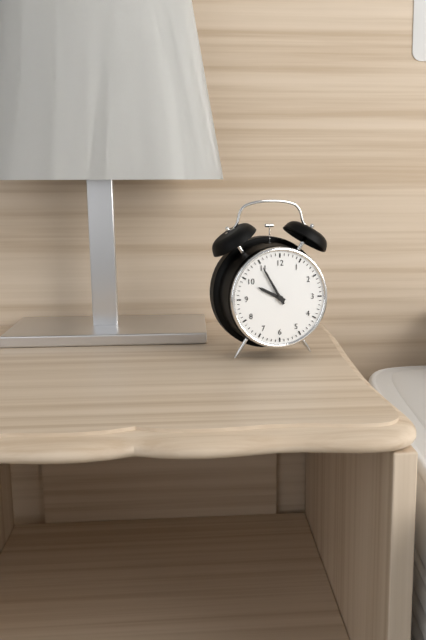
{"hour": 9, "minute": 55}
